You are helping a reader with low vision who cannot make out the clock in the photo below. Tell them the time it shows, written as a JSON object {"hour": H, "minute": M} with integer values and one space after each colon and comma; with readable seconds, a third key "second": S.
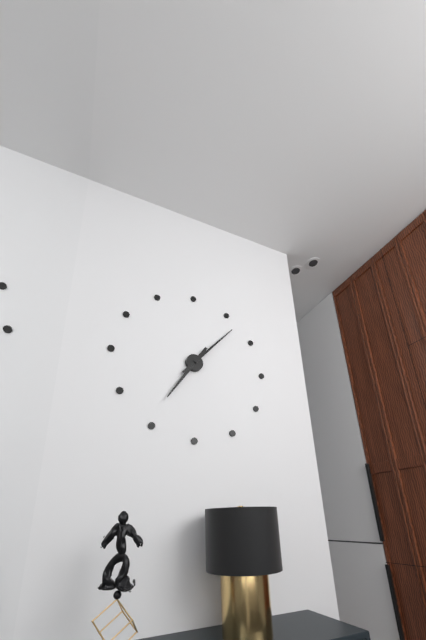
{"hour": 7, "minute": 7}
